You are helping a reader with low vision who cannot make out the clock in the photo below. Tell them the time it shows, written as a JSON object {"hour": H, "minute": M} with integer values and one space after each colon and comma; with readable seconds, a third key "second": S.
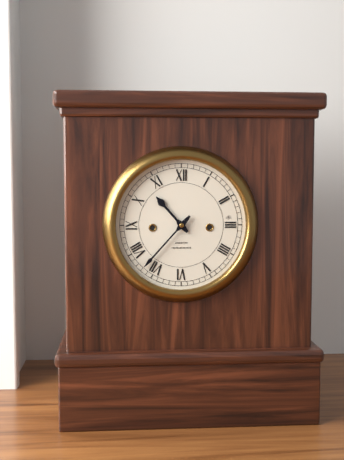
{"hour": 10, "minute": 37}
